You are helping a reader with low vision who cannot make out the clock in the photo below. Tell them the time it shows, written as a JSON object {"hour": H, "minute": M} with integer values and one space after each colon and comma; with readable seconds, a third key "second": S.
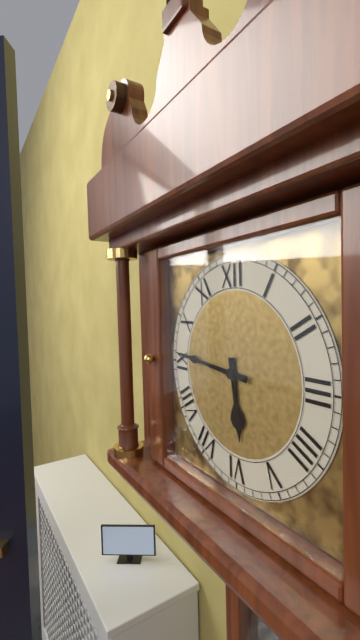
{"hour": 5, "minute": 46}
